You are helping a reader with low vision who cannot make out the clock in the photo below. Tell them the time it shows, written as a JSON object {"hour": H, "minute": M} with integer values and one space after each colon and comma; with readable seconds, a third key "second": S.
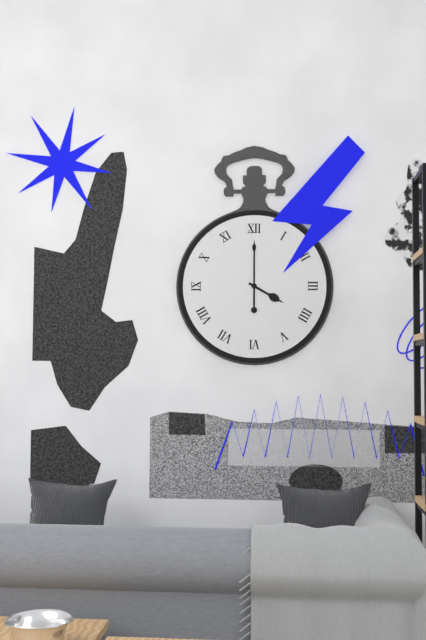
{"hour": 4, "minute": 0}
